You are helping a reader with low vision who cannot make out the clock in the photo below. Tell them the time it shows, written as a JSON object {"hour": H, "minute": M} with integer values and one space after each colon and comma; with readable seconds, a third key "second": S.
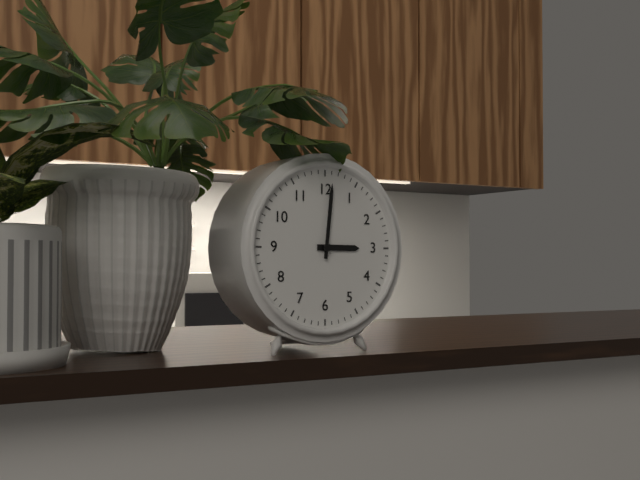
{"hour": 3, "minute": 1}
